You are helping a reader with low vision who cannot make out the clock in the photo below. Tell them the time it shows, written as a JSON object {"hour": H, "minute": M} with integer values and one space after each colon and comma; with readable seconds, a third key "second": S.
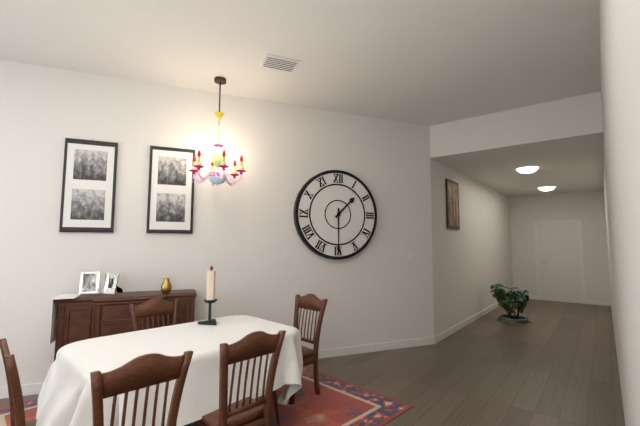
{"hour": 1, "minute": 30}
